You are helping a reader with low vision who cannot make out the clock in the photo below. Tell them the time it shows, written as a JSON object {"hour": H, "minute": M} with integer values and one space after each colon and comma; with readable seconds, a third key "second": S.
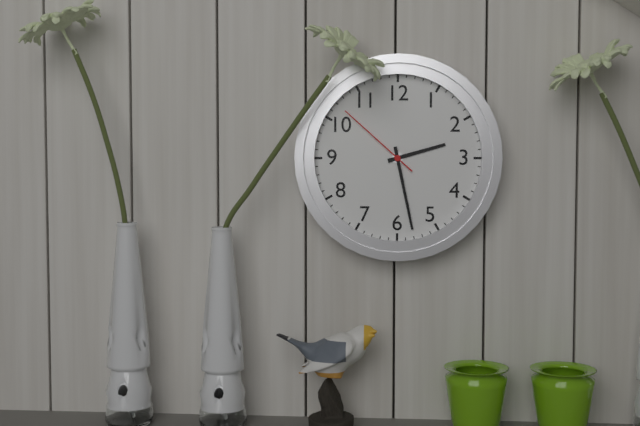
{"hour": 2, "minute": 28, "second": 52}
